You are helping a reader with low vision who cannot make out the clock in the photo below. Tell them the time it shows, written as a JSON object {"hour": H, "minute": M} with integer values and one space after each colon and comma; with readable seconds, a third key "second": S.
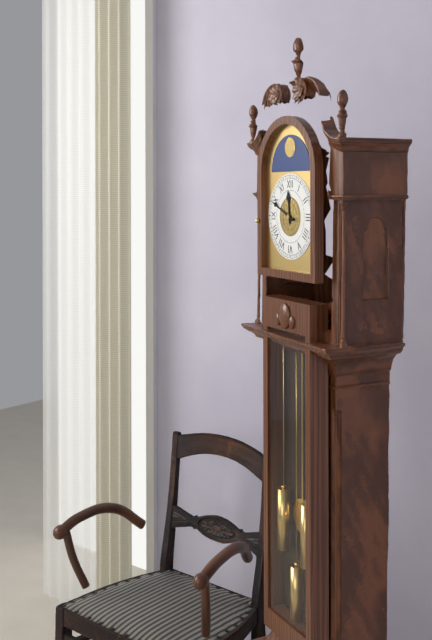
{"hour": 11, "minute": 49}
